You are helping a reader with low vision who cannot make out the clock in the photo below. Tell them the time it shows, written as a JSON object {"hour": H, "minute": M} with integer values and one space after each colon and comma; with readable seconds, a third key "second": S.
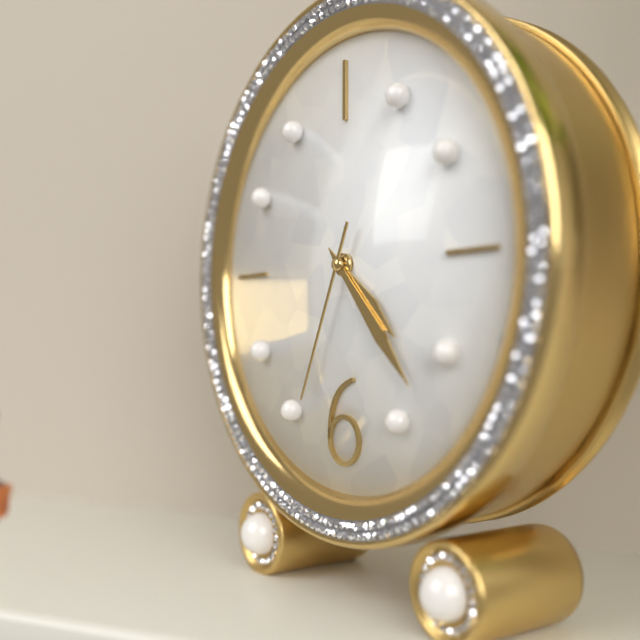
{"hour": 4, "minute": 23, "second": 34}
